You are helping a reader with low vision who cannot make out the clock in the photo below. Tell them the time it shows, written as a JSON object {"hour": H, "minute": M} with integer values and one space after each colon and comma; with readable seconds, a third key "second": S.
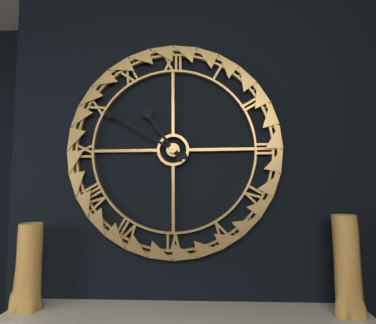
{"hour": 10, "minute": 50}
